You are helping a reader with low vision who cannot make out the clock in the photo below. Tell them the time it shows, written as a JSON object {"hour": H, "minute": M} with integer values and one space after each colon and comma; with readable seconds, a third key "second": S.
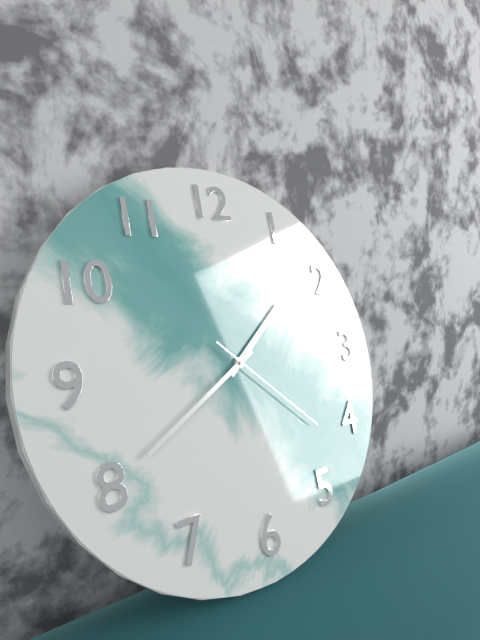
{"hour": 1, "minute": 40, "second": 22}
